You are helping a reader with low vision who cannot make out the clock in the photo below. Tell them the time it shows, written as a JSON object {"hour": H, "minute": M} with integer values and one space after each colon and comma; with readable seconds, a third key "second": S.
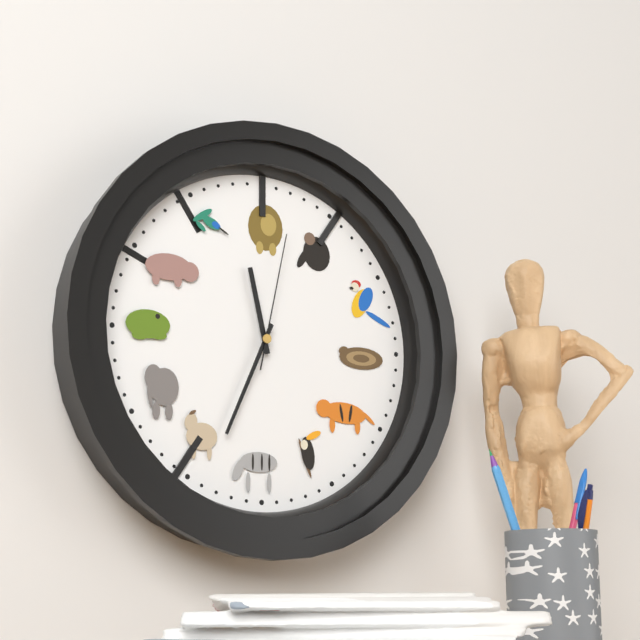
{"hour": 11, "minute": 34, "second": 2}
